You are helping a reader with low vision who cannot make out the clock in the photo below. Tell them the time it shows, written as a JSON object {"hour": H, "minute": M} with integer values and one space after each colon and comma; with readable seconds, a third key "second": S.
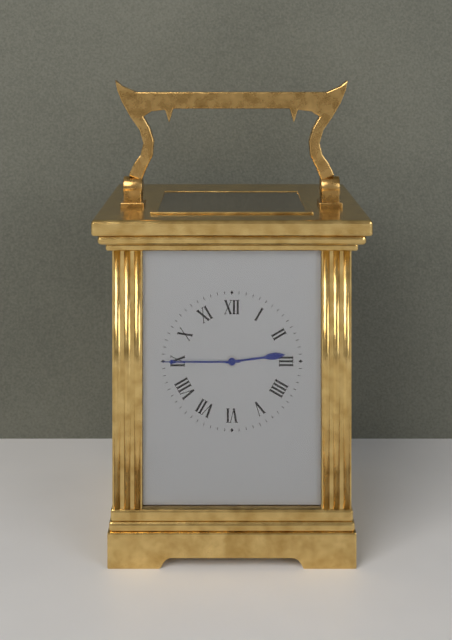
{"hour": 2, "minute": 45}
